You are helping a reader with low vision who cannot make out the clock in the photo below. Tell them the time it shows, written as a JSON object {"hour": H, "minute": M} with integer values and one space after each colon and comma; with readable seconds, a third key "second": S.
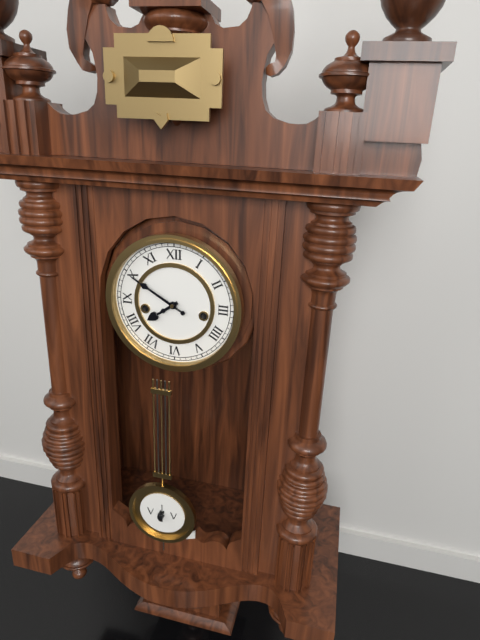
{"hour": 7, "minute": 50}
